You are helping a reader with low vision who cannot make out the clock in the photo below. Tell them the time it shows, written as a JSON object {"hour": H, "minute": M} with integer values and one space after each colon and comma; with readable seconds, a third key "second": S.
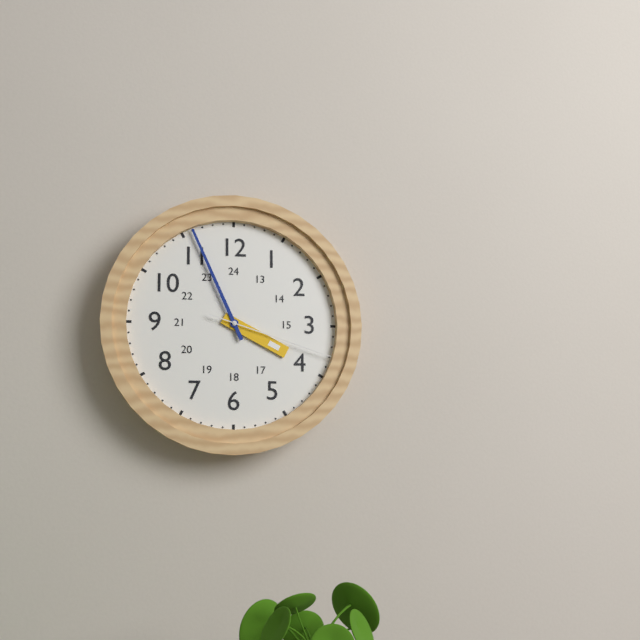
{"hour": 3, "minute": 56, "second": 18}
